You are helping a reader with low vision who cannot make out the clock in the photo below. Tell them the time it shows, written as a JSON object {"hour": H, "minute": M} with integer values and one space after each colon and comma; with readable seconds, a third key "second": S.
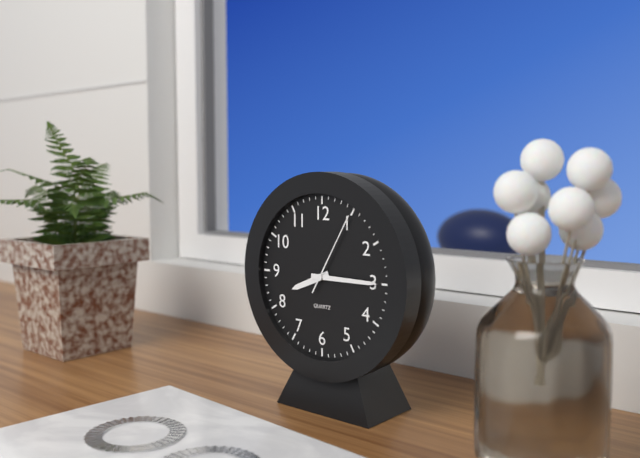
{"hour": 8, "minute": 15, "second": 5}
